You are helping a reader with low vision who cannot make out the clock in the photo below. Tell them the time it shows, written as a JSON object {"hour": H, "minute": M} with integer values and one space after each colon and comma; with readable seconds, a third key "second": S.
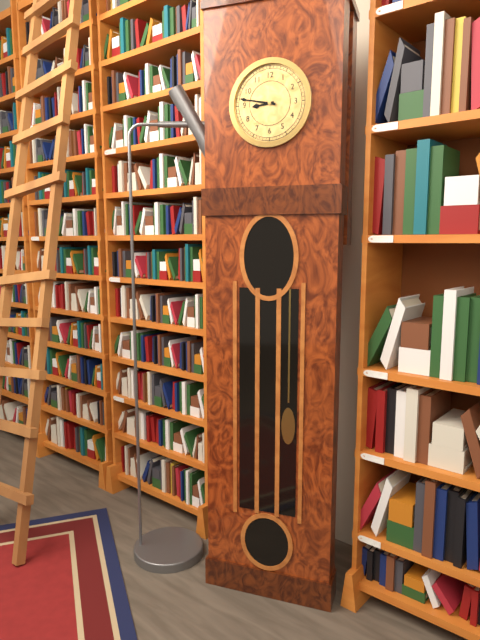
{"hour": 8, "minute": 47}
